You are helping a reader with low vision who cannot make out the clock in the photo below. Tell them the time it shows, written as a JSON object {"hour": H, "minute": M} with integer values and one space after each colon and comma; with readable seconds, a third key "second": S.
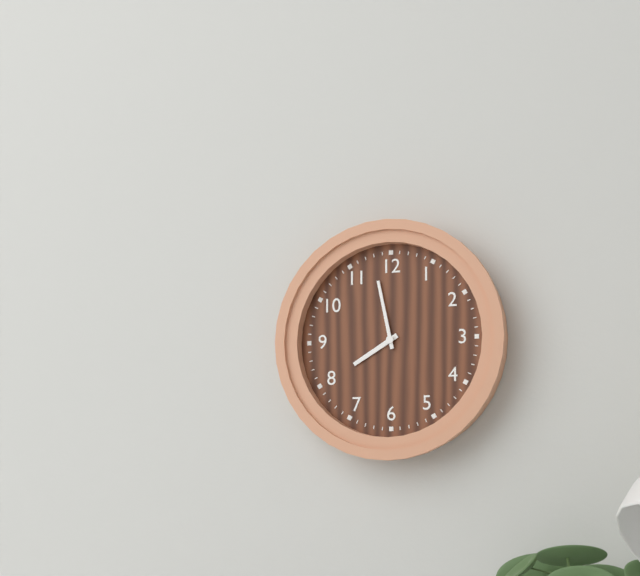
{"hour": 7, "minute": 58}
